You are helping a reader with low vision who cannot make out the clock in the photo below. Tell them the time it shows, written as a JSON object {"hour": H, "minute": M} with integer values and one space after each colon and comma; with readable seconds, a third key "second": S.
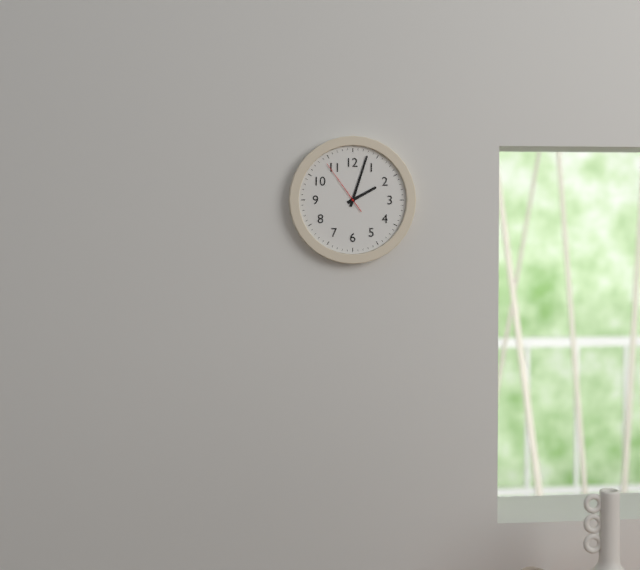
{"hour": 2, "minute": 3, "second": 54}
